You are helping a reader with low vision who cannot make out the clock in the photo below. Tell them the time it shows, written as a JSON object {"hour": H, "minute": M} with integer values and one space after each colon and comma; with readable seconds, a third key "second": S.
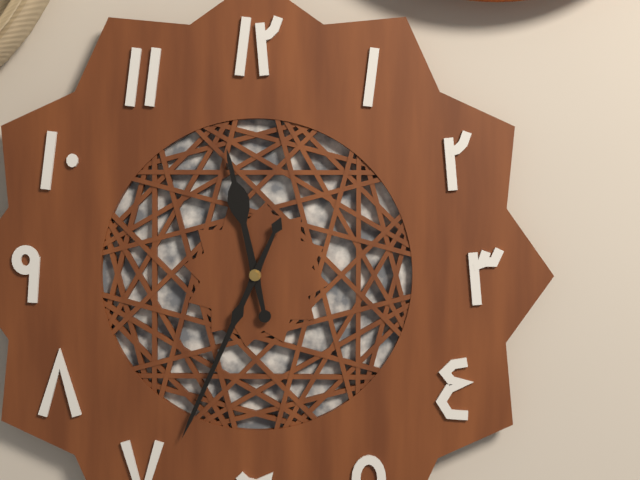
{"hour": 11, "minute": 34}
